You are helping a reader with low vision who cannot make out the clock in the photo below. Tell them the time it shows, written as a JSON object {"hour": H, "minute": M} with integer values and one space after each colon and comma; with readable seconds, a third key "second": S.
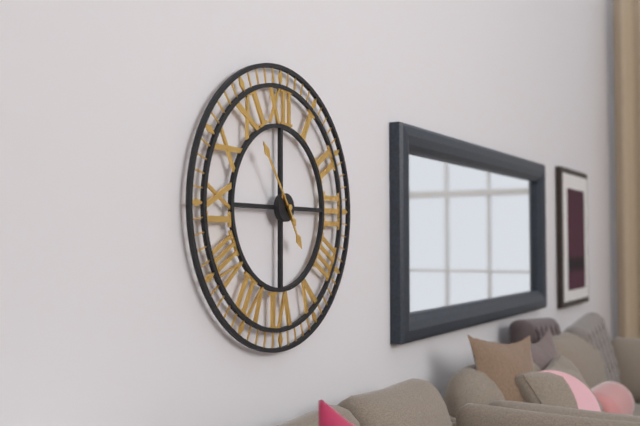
{"hour": 4, "minute": 54}
